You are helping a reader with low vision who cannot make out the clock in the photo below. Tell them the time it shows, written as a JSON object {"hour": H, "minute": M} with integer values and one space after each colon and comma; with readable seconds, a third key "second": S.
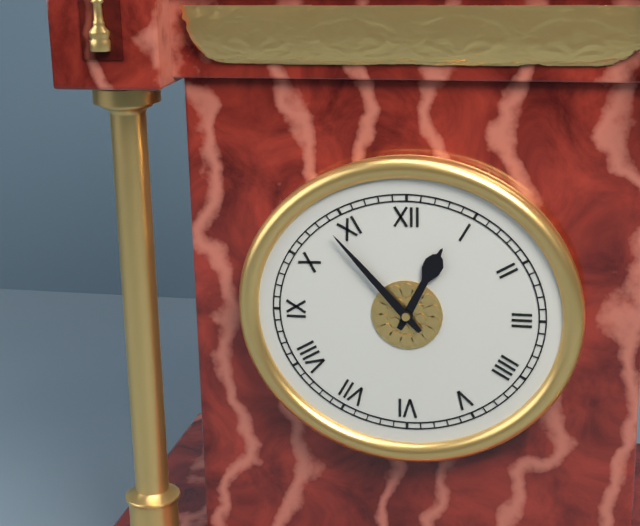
{"hour": 12, "minute": 53}
